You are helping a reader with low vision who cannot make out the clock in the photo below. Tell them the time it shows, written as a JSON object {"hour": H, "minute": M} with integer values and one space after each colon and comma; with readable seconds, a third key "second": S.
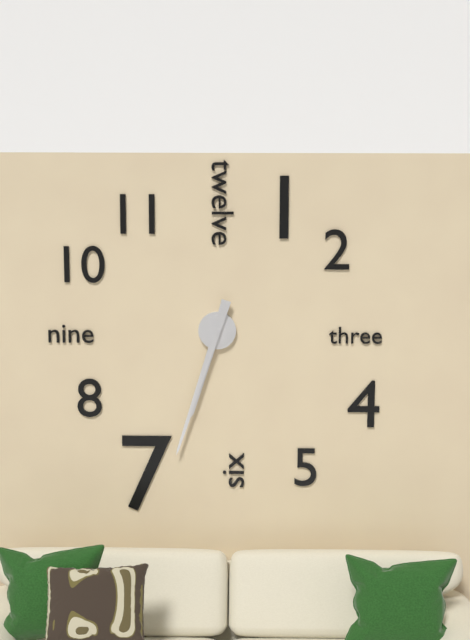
{"hour": 6, "minute": 33}
